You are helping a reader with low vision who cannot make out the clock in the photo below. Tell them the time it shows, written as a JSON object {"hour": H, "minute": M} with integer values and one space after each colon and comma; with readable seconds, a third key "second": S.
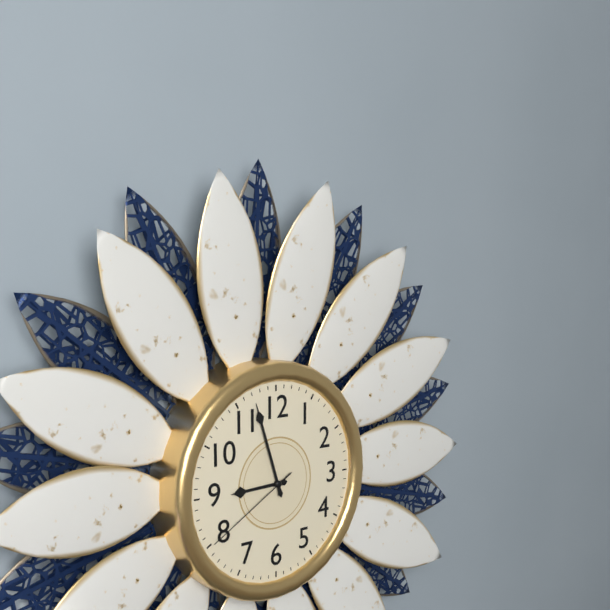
{"hour": 8, "minute": 57, "second": 40}
